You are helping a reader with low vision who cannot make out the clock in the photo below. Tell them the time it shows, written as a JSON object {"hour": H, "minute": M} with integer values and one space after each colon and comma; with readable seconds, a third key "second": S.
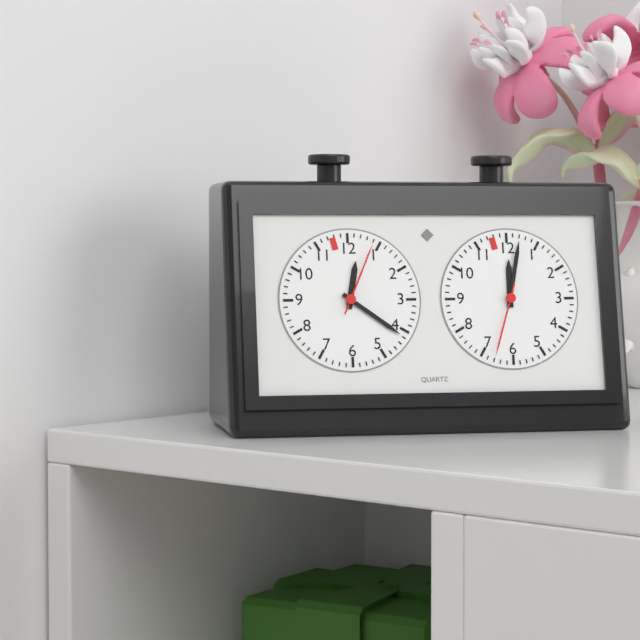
{"hour": 12, "minute": 21, "second": 4}
